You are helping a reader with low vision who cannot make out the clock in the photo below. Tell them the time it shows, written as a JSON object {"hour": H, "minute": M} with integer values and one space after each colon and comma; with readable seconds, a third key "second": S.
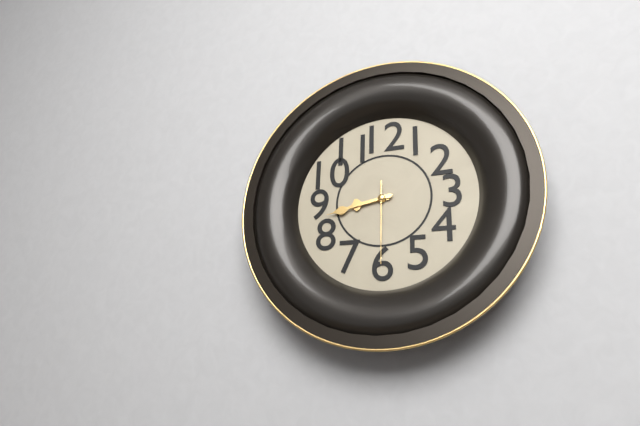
{"hour": 8, "minute": 43, "second": 30}
